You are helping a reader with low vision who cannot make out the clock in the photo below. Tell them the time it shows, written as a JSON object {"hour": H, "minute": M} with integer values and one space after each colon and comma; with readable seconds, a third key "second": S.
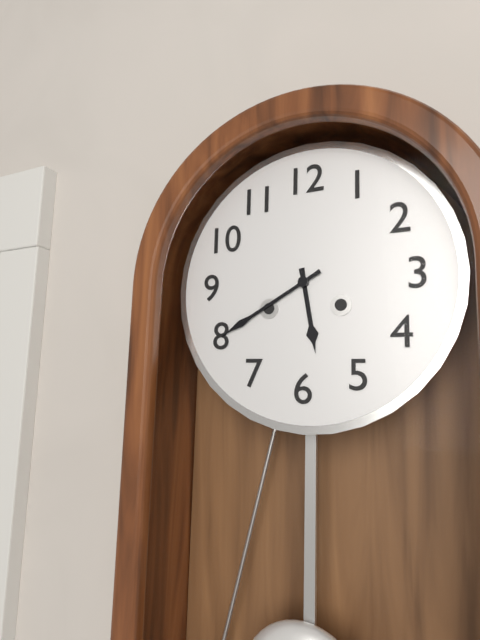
{"hour": 5, "minute": 40}
